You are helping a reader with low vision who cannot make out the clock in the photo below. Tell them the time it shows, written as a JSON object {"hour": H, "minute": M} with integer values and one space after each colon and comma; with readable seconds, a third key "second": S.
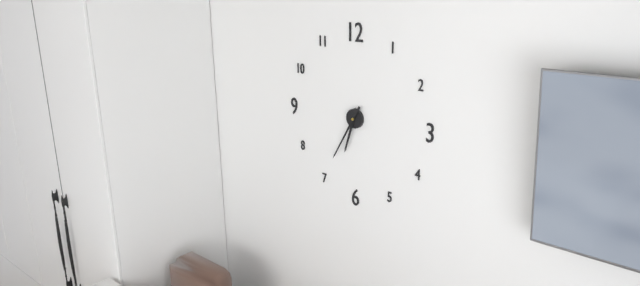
{"hour": 6, "minute": 35}
